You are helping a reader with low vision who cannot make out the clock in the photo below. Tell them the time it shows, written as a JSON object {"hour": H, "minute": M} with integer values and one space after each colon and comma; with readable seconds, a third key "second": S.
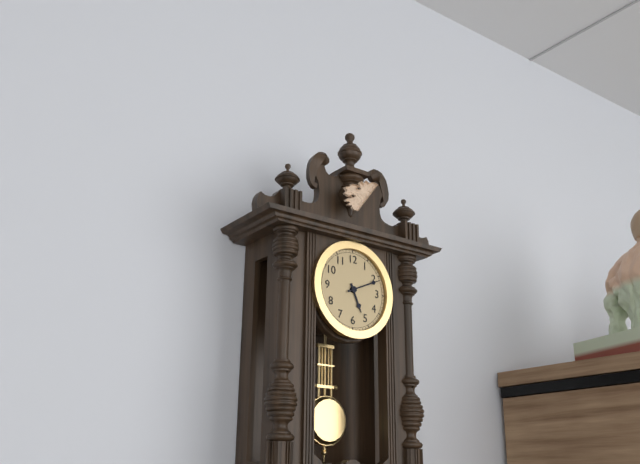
{"hour": 5, "minute": 11}
